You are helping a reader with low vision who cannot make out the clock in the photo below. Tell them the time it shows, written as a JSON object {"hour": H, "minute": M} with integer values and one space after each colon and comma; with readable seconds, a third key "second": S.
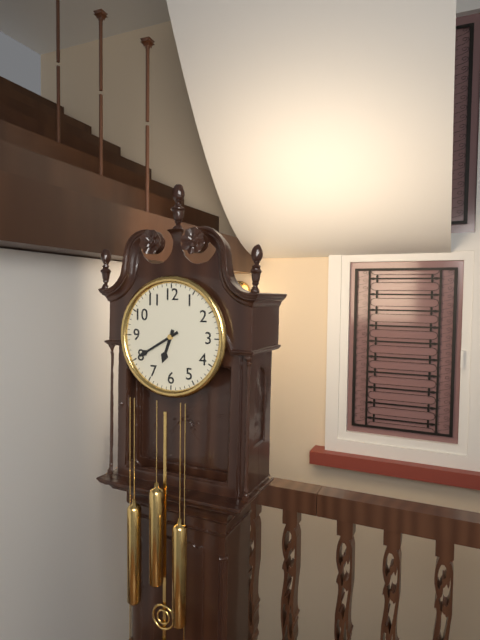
{"hour": 6, "minute": 40}
